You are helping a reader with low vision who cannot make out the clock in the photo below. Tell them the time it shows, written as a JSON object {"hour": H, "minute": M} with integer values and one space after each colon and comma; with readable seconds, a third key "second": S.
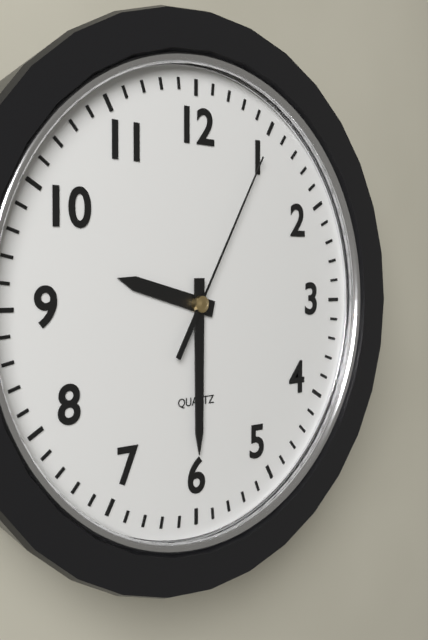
{"hour": 9, "minute": 30, "second": 5}
